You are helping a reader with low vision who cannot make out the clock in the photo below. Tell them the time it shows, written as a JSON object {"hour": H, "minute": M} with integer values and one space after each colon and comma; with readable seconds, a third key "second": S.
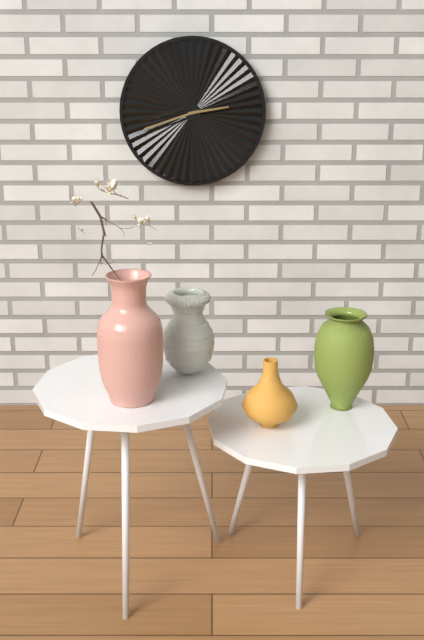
{"hour": 2, "minute": 42}
